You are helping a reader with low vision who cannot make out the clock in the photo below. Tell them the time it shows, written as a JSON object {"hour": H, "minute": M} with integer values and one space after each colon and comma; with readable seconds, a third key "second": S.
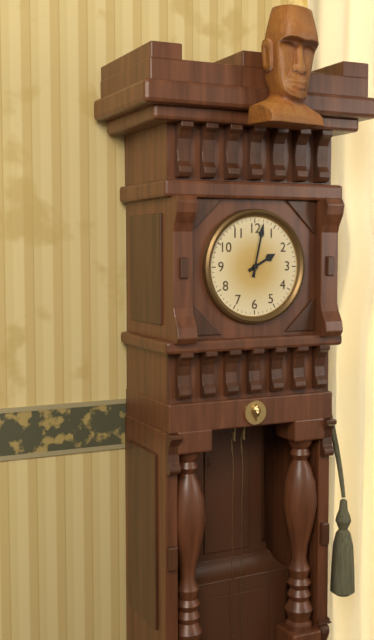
{"hour": 2, "minute": 2}
